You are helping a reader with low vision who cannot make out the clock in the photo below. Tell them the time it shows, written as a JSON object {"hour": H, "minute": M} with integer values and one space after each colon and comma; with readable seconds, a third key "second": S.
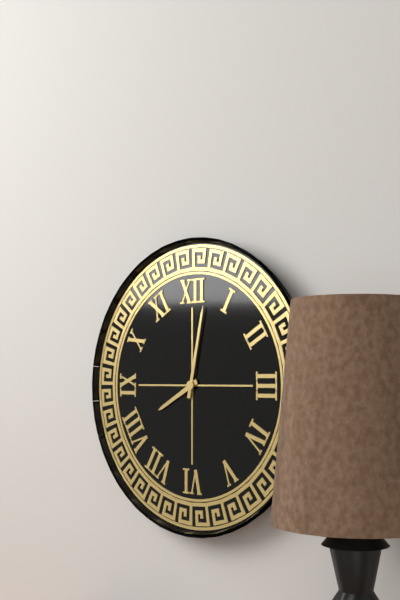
{"hour": 8, "minute": 2}
